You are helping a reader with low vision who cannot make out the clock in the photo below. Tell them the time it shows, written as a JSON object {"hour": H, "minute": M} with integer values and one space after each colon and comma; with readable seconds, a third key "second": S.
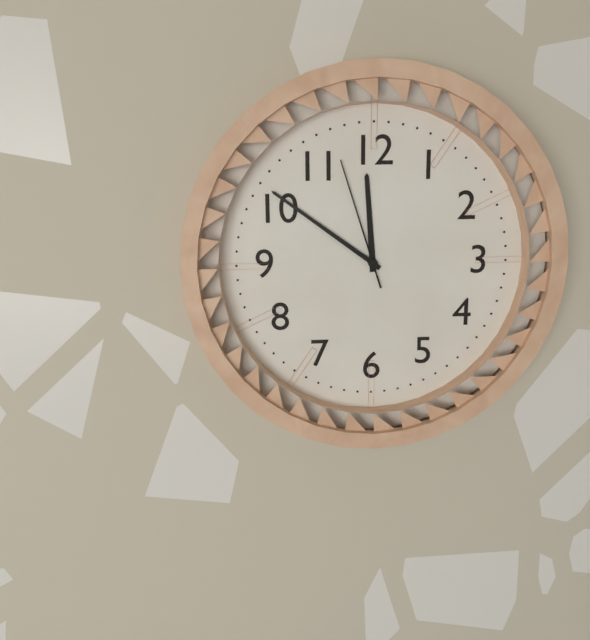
{"hour": 11, "minute": 51, "second": 57}
